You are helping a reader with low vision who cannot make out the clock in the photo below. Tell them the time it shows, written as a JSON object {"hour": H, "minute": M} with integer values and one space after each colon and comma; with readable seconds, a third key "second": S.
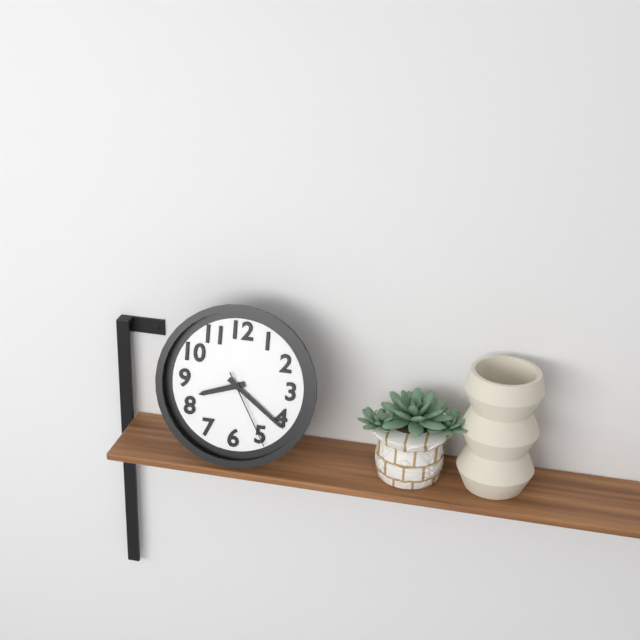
{"hour": 8, "minute": 21, "second": 25}
